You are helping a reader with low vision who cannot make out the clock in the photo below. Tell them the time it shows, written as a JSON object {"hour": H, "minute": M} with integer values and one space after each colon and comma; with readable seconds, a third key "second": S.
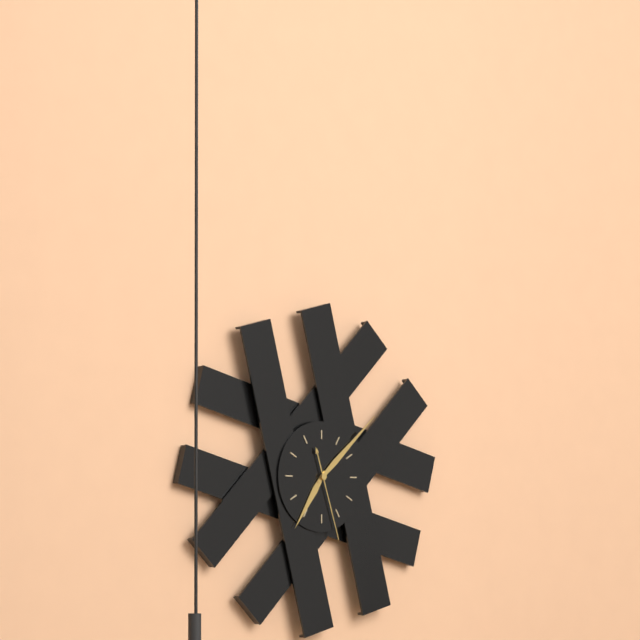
{"hour": 7, "minute": 8, "second": 27}
